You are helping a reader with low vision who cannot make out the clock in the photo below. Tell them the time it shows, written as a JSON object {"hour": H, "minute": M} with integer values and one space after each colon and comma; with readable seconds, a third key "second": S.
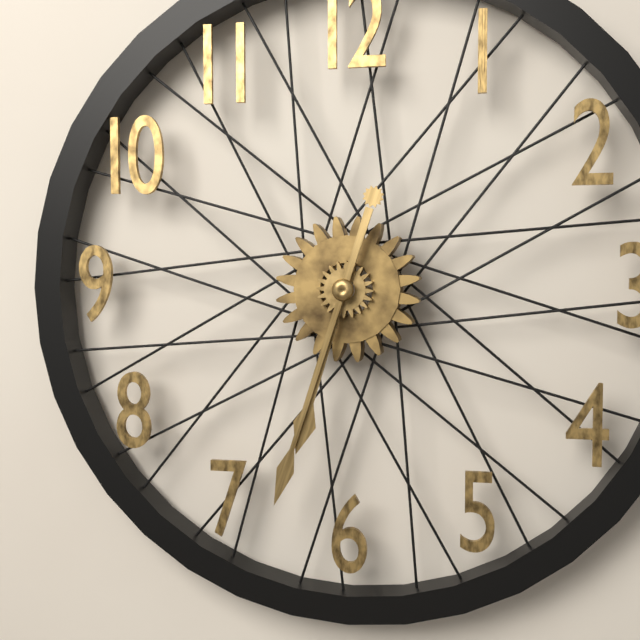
{"hour": 6, "minute": 33}
